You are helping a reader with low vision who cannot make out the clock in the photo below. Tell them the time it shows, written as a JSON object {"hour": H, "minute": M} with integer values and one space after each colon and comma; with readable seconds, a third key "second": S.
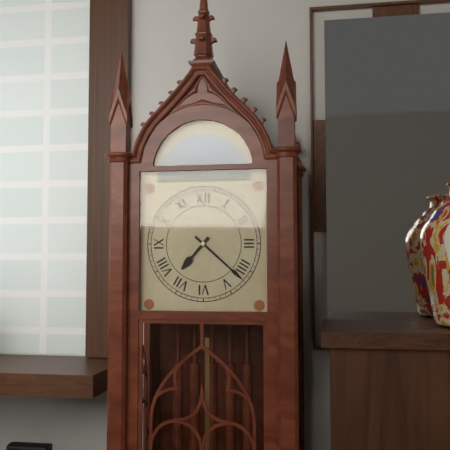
{"hour": 7, "minute": 22}
